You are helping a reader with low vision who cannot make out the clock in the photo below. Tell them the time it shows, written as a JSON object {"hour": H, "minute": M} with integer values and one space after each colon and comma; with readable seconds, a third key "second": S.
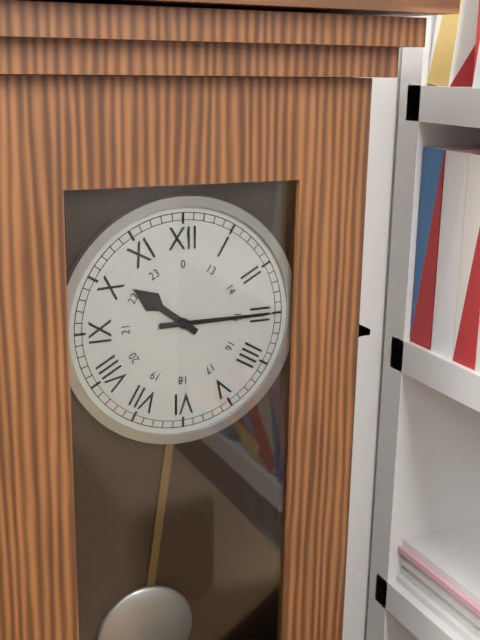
{"hour": 10, "minute": 15}
